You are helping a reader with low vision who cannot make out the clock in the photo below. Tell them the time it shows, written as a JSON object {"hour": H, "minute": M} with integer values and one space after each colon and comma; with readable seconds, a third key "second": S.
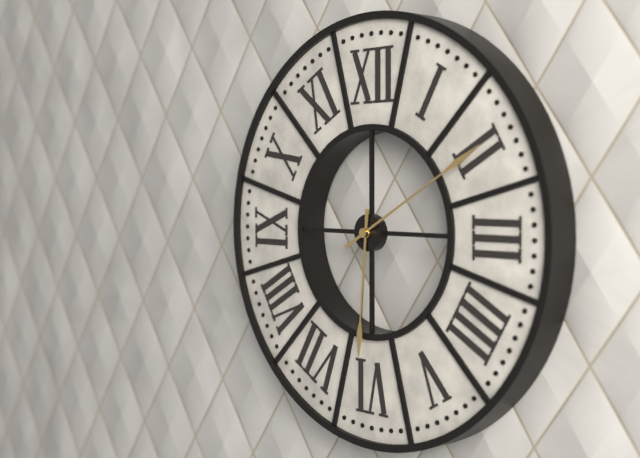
{"hour": 6, "minute": 10}
